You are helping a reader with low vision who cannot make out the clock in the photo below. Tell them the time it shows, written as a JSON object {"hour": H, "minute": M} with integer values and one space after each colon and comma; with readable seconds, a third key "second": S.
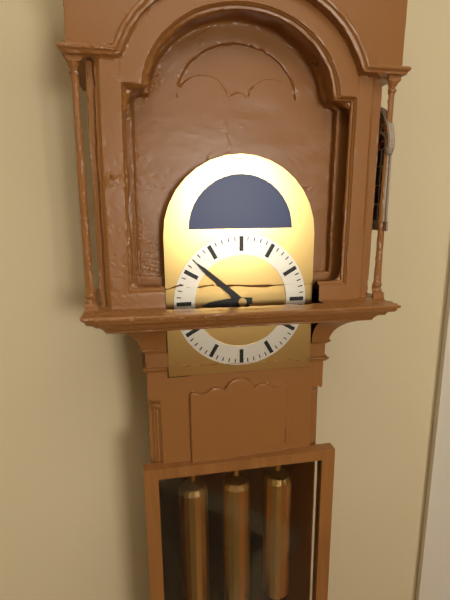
{"hour": 8, "minute": 52}
